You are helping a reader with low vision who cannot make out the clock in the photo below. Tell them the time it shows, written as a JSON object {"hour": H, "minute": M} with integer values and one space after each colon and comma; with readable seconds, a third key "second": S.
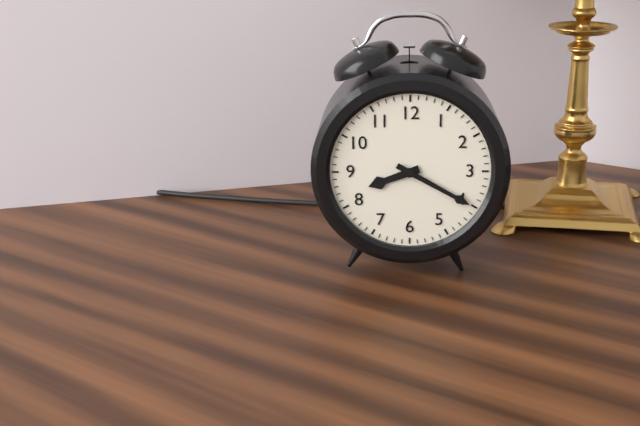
{"hour": 8, "minute": 20}
